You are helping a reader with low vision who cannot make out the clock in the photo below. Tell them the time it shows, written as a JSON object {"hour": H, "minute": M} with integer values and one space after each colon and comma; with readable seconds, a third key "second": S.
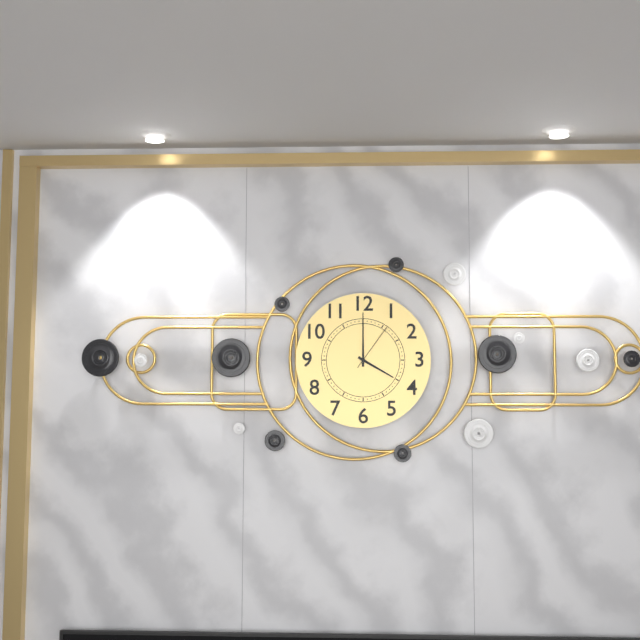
{"hour": 4, "minute": 0, "second": 6}
